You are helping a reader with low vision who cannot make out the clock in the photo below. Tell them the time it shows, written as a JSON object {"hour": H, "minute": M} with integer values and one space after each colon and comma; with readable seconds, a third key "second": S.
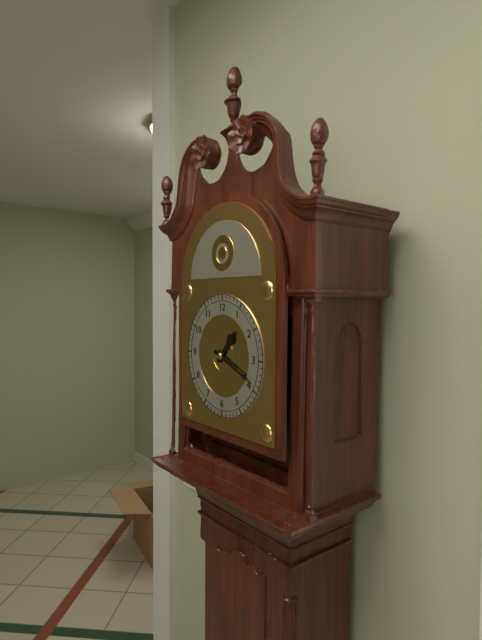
{"hour": 1, "minute": 19}
